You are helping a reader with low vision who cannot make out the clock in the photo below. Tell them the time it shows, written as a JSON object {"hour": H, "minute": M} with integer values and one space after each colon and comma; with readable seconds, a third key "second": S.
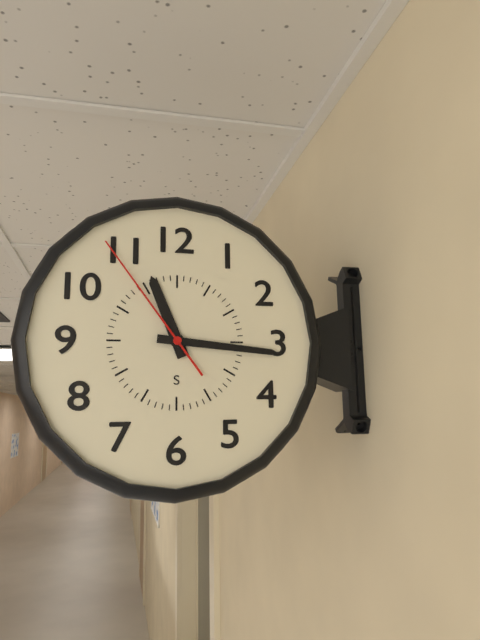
{"hour": 11, "minute": 16, "second": 54}
